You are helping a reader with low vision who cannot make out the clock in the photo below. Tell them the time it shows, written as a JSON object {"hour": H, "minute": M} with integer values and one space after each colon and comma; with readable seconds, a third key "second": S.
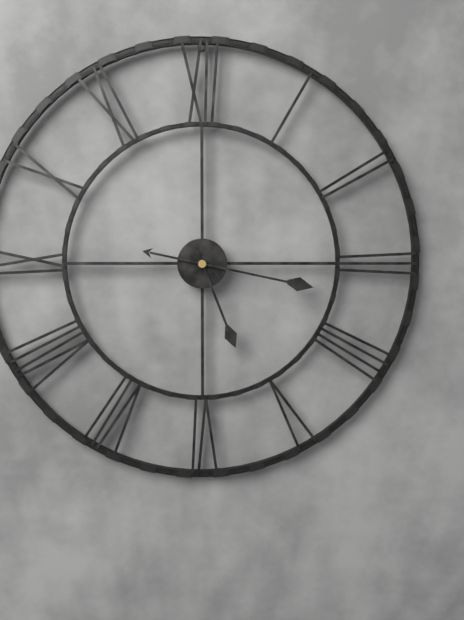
{"hour": 5, "minute": 17}
